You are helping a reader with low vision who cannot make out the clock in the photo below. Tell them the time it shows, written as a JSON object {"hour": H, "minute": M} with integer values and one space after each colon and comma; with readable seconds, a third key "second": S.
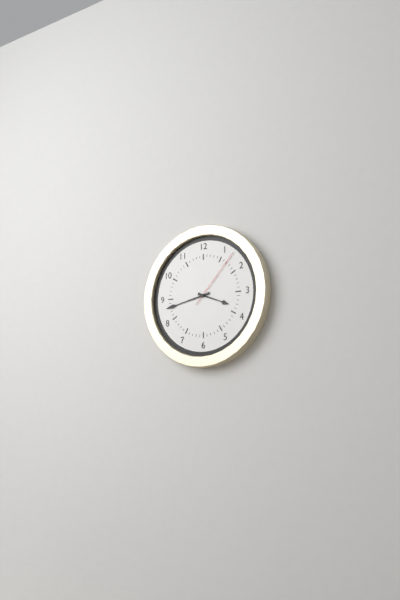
{"hour": 3, "minute": 43, "second": 7}
